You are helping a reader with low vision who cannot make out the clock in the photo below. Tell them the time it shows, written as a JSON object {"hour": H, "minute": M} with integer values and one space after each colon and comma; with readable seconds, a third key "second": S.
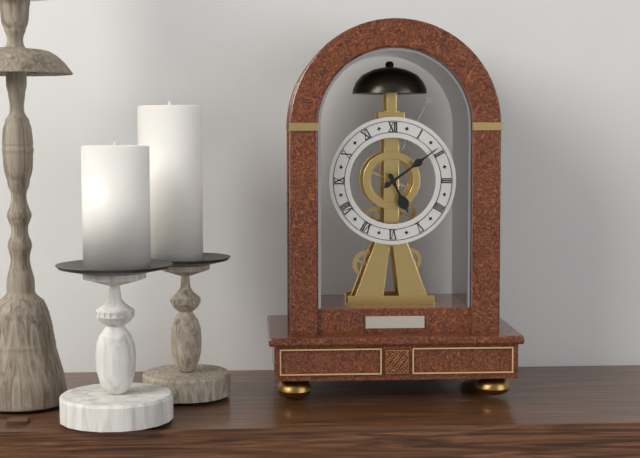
{"hour": 5, "minute": 9}
